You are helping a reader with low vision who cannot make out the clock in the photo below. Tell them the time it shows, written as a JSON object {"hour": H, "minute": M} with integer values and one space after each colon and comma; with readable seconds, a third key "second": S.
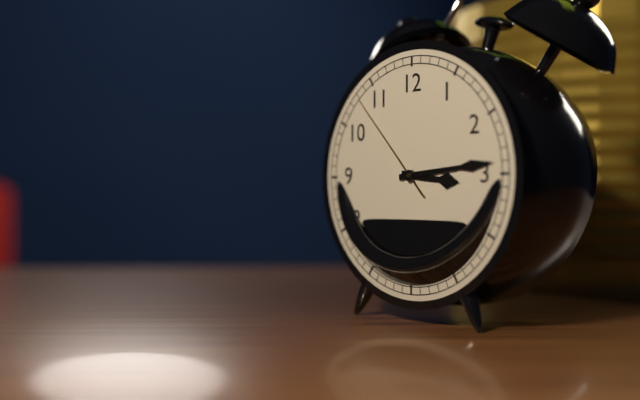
{"hour": 3, "minute": 14, "second": 53}
